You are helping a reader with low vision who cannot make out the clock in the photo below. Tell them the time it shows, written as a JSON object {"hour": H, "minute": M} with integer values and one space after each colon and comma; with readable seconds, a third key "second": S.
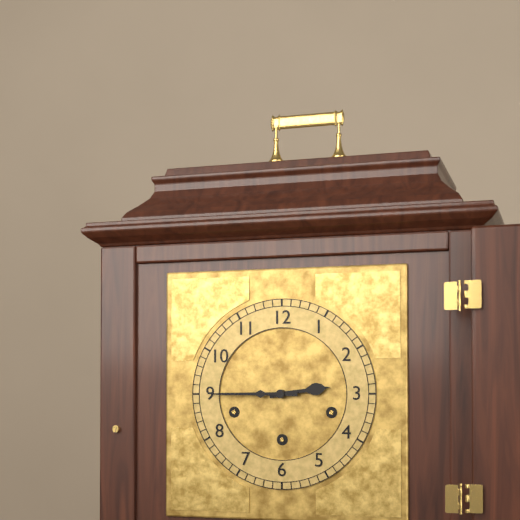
{"hour": 2, "minute": 45}
